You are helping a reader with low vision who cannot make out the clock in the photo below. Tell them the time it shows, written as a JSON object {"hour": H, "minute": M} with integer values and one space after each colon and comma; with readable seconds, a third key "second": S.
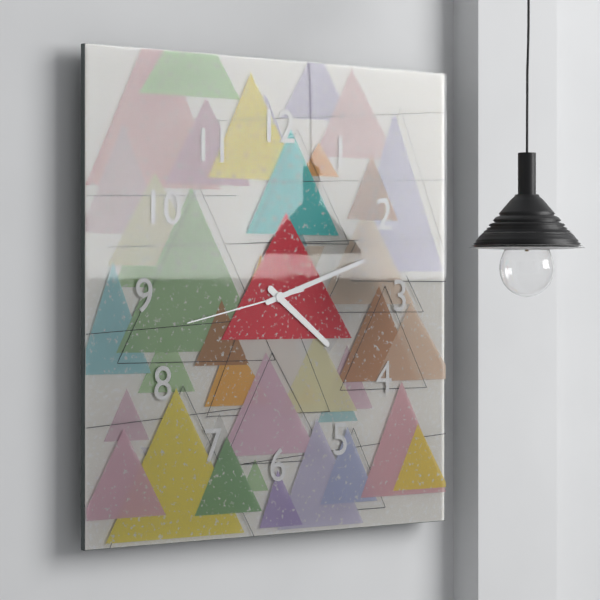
{"hour": 4, "minute": 12, "second": 43}
